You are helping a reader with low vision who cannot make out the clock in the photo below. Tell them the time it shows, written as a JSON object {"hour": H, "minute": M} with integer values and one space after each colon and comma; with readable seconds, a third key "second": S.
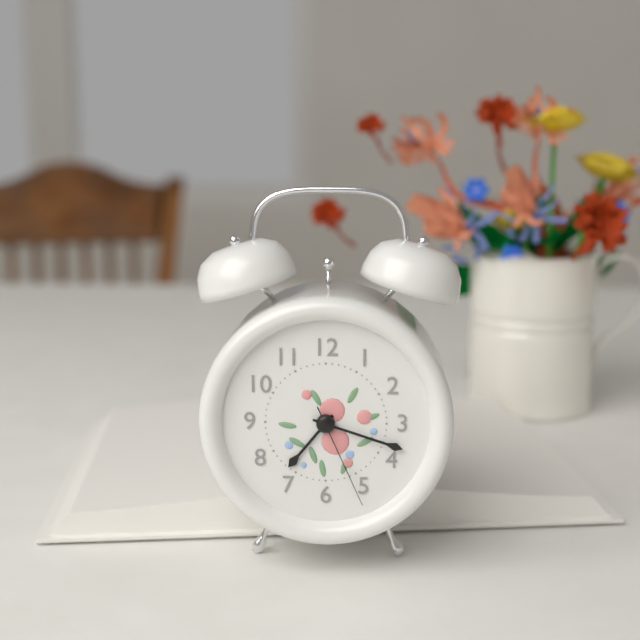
{"hour": 7, "minute": 18, "second": 26}
